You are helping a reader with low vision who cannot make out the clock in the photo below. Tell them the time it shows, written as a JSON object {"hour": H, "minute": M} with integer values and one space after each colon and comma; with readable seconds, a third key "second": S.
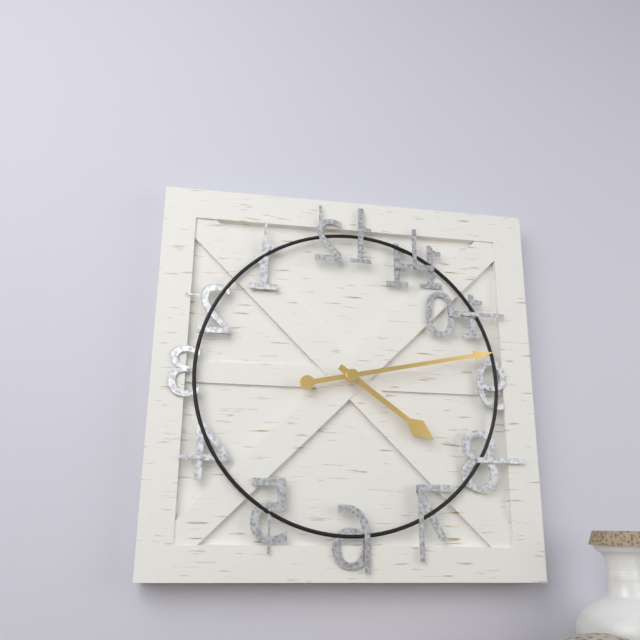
{"hour": 4, "minute": 13}
